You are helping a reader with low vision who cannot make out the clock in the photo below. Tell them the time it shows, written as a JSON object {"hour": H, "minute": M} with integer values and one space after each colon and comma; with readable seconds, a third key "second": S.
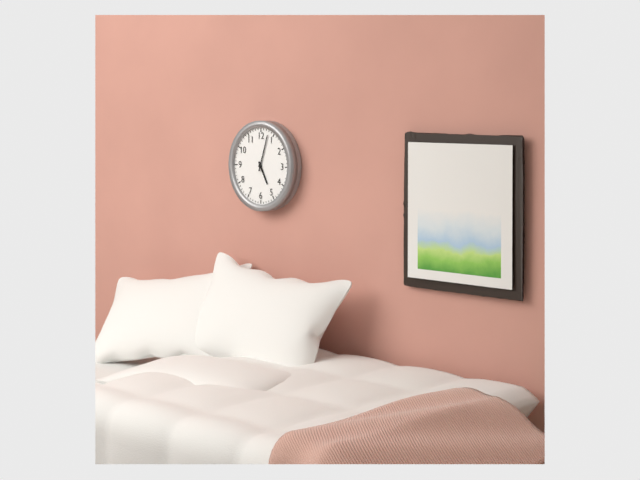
{"hour": 5, "minute": 3}
